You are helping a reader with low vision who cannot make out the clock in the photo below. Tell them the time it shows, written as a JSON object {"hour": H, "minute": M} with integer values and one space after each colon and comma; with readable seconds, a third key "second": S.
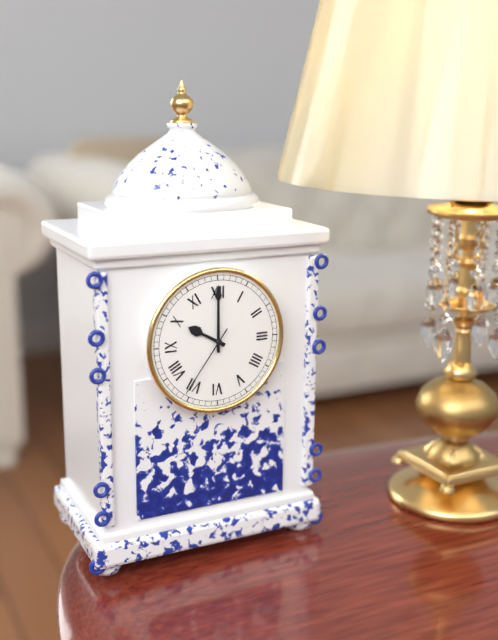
{"hour": 10, "minute": 0, "second": 36}
